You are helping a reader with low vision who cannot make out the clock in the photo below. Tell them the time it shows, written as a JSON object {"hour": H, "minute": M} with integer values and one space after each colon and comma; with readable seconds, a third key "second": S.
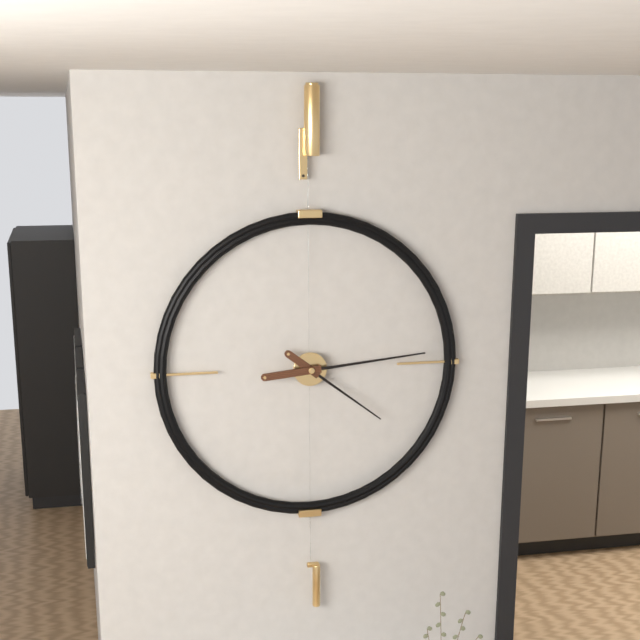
{"hour": 4, "minute": 14}
